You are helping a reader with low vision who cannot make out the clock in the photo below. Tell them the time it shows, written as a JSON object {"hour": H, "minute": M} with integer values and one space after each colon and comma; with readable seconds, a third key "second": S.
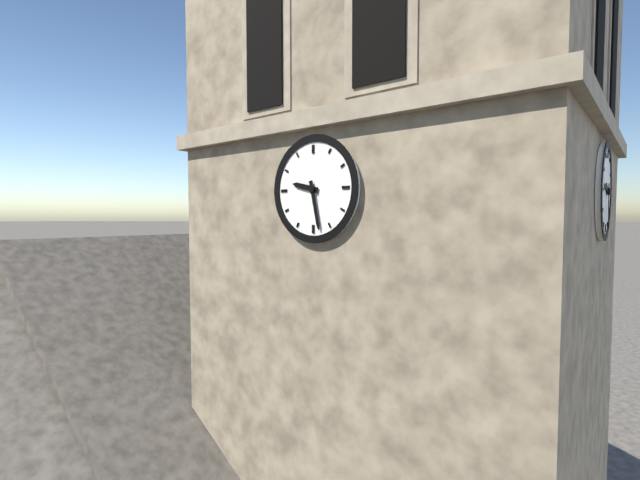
{"hour": 9, "minute": 28}
